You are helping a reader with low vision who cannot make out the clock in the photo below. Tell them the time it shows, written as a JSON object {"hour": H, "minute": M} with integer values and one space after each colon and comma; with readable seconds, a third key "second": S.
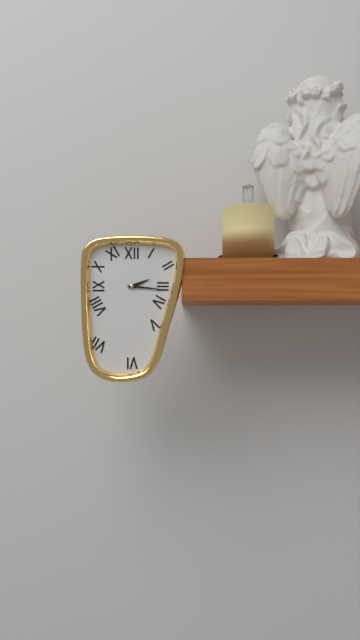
{"hour": 2, "minute": 16}
